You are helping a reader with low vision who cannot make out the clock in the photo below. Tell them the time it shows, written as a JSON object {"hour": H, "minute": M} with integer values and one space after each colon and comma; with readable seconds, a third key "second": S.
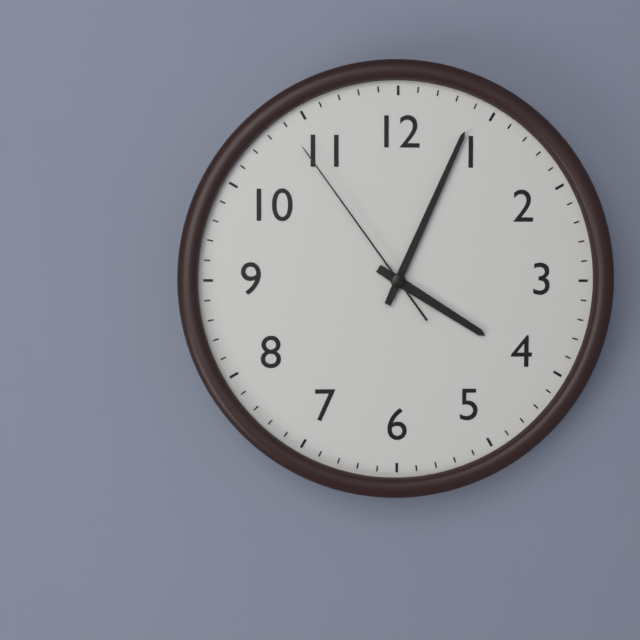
{"hour": 4, "minute": 4, "second": 54}
